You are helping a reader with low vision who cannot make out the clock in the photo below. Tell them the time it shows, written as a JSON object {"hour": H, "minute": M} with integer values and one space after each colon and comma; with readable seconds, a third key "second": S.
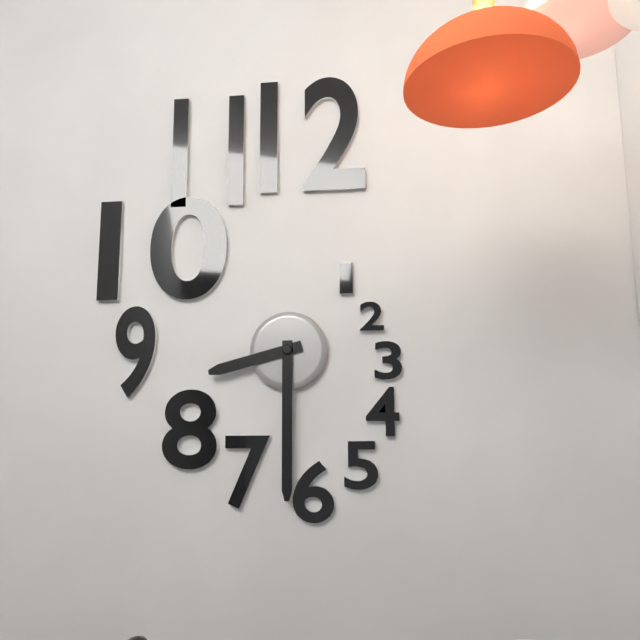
{"hour": 8, "minute": 30}
